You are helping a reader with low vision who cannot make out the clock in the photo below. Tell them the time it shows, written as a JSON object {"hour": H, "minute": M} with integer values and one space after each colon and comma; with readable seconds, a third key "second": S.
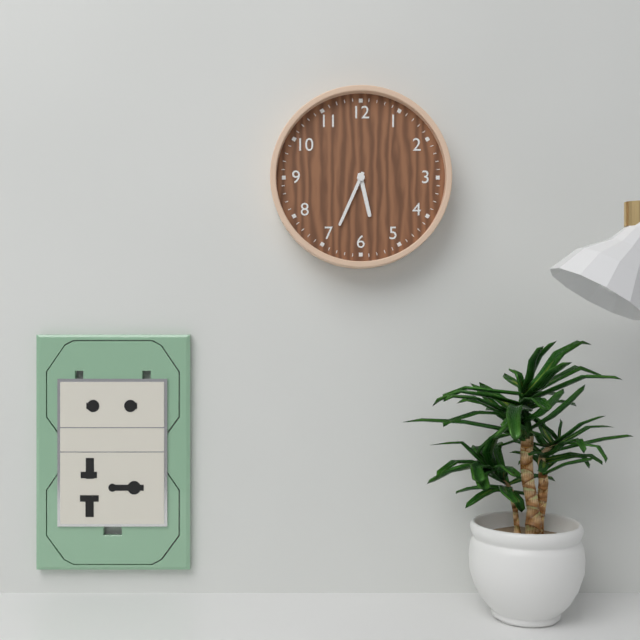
{"hour": 5, "minute": 34}
